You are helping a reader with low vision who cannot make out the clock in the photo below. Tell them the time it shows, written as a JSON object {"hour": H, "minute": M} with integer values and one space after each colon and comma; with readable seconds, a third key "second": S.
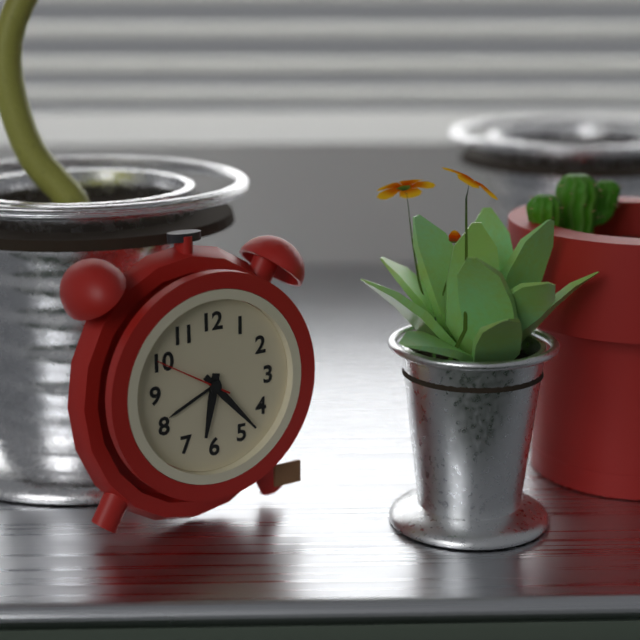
{"hour": 6, "minute": 23, "second": 50}
